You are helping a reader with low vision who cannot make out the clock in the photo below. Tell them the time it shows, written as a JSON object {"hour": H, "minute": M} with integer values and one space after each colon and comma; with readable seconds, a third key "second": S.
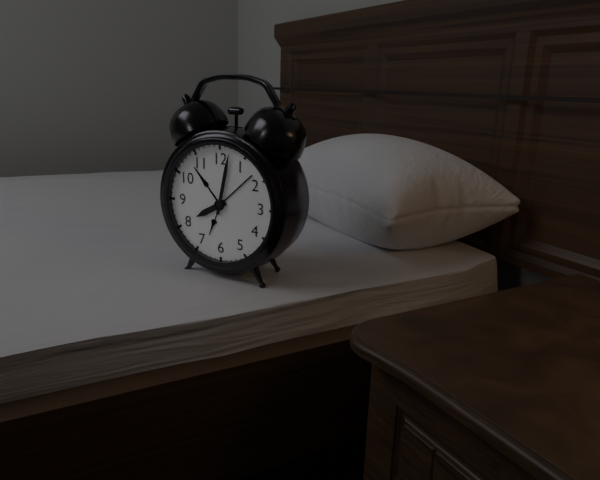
{"hour": 8, "minute": 2}
